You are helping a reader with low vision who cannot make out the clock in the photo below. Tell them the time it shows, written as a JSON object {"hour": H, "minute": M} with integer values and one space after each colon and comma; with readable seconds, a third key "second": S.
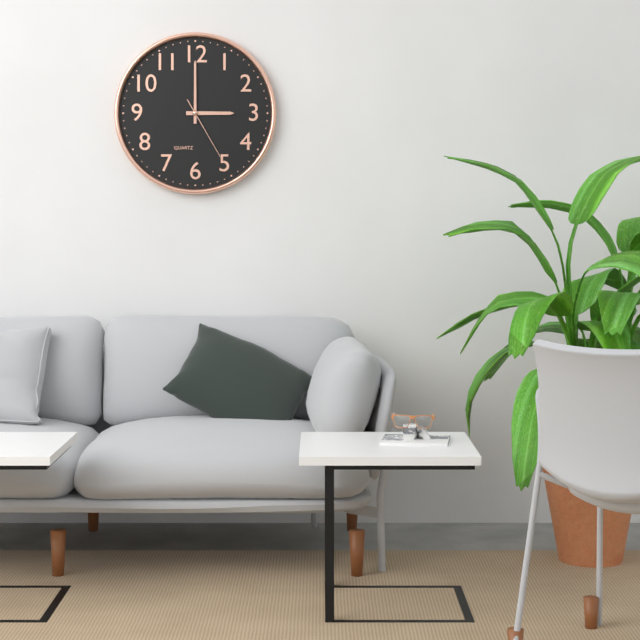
{"hour": 3, "minute": 0, "second": 25}
